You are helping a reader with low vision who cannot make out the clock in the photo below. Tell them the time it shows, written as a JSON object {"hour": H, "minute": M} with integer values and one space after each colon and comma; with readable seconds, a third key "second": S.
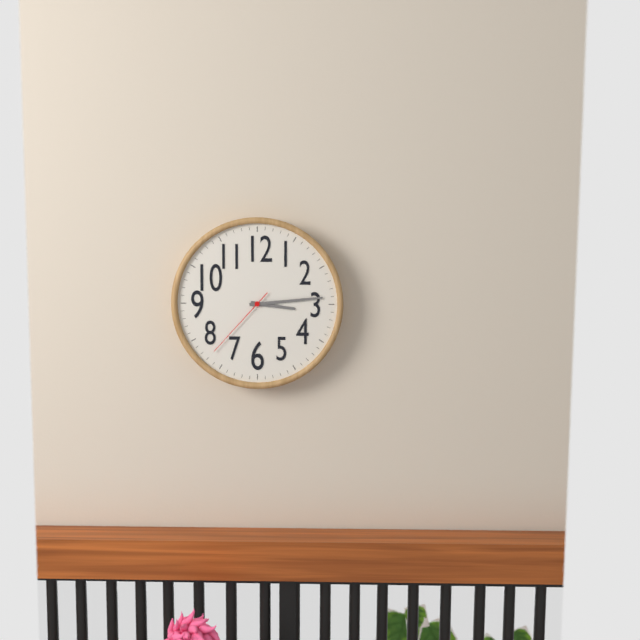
{"hour": 3, "minute": 14, "second": 37}
